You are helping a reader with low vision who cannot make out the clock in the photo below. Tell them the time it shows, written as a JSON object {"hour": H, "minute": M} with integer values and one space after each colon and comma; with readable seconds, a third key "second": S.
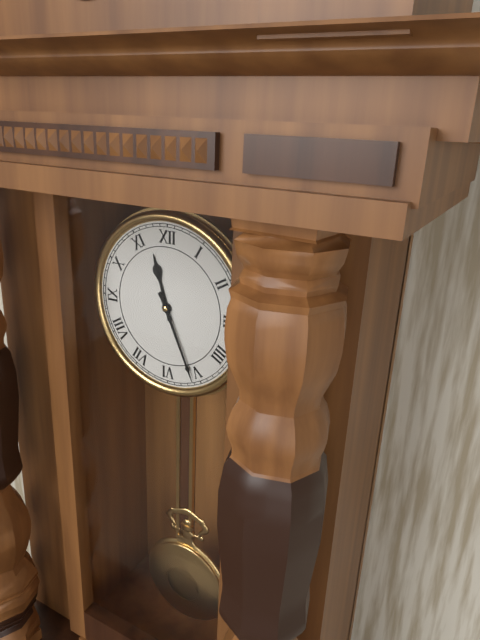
{"hour": 11, "minute": 26}
